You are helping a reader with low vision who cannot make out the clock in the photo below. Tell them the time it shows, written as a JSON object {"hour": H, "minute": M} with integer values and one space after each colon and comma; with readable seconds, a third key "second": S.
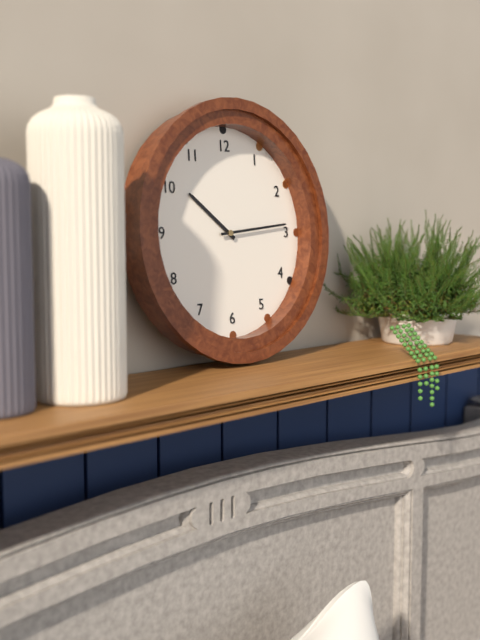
{"hour": 10, "minute": 14}
